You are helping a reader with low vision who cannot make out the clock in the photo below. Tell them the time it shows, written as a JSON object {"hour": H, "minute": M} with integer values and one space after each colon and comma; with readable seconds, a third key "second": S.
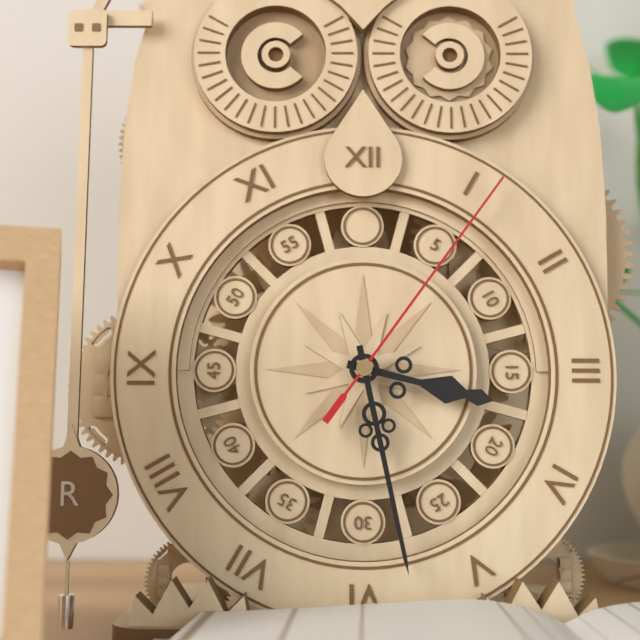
{"hour": 3, "minute": 28, "second": 6}
